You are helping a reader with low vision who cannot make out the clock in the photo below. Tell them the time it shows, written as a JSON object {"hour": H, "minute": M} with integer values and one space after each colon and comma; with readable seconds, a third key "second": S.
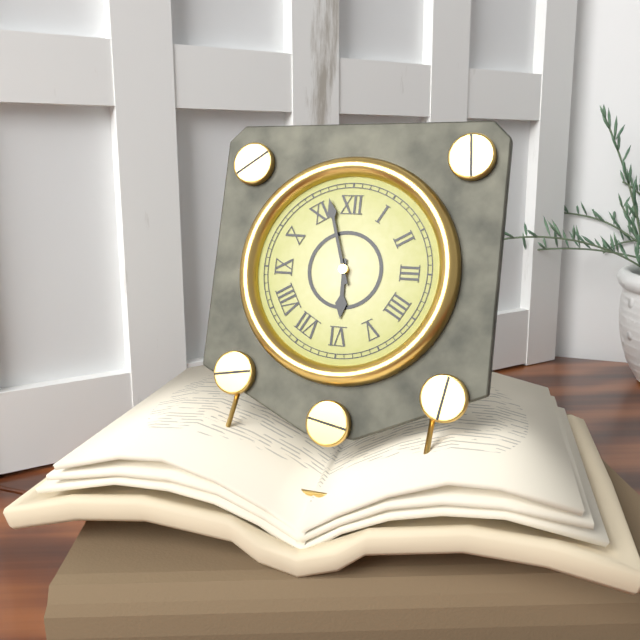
{"hour": 5, "minute": 57}
